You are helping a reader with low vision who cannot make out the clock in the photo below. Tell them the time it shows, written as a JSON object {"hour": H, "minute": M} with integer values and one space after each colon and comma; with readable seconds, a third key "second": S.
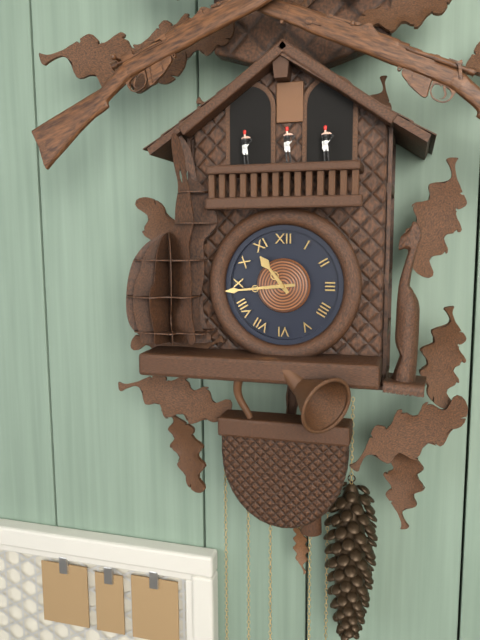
{"hour": 10, "minute": 44}
